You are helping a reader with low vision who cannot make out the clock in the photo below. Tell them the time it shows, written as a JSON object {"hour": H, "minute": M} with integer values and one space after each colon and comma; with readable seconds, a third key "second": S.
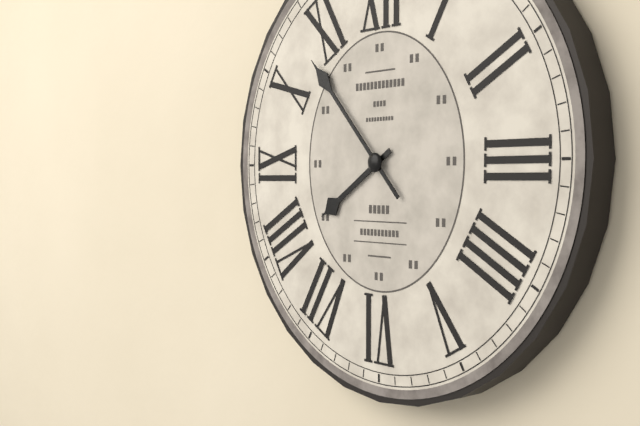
{"hour": 7, "minute": 53}
